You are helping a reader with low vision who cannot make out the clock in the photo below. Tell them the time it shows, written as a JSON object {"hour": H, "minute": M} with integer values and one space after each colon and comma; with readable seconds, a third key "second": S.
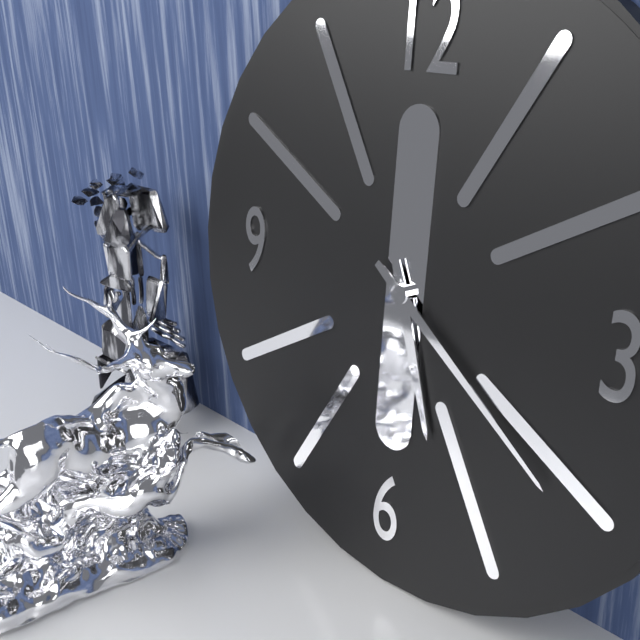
{"hour": 5, "minute": 21}
